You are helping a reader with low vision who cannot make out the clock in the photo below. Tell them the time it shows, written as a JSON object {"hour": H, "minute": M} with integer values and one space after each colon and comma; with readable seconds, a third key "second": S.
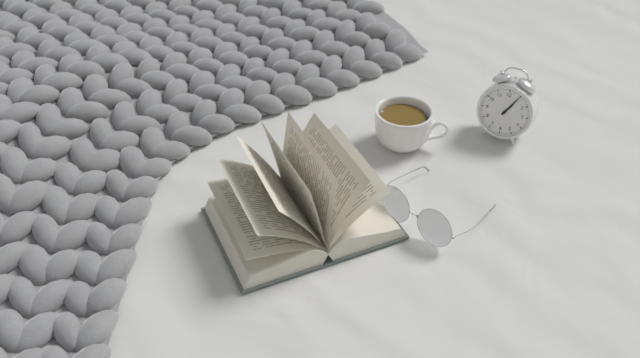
{"hour": 1, "minute": 5}
